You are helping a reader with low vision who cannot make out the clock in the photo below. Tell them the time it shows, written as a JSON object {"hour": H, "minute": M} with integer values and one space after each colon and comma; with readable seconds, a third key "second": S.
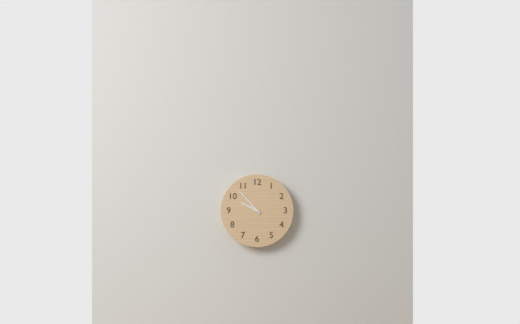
{"hour": 9, "minute": 53}
